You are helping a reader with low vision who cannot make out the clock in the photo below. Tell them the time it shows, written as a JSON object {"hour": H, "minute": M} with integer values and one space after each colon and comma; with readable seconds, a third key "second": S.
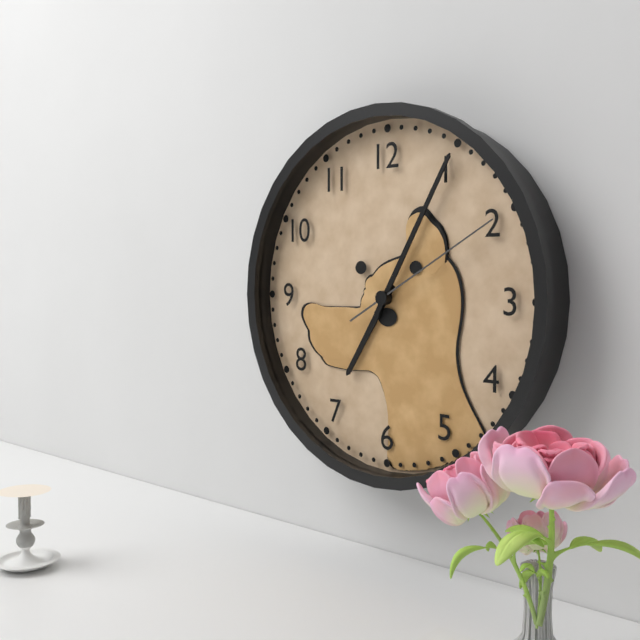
{"hour": 7, "minute": 5, "second": 10}
